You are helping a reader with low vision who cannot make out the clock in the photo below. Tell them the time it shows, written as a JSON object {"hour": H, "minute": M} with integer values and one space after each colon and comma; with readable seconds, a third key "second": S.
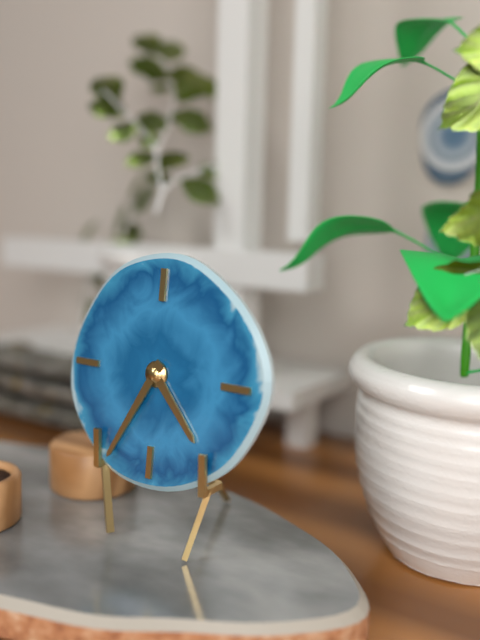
{"hour": 4, "minute": 35}
